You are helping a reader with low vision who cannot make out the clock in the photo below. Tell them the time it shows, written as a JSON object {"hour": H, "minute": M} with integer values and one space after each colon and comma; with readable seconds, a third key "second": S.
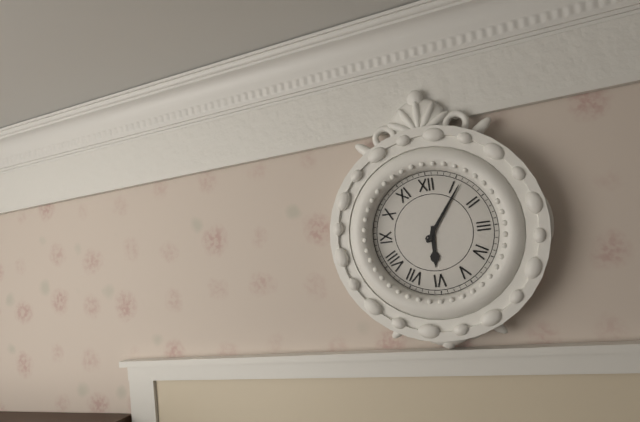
{"hour": 6, "minute": 6}
